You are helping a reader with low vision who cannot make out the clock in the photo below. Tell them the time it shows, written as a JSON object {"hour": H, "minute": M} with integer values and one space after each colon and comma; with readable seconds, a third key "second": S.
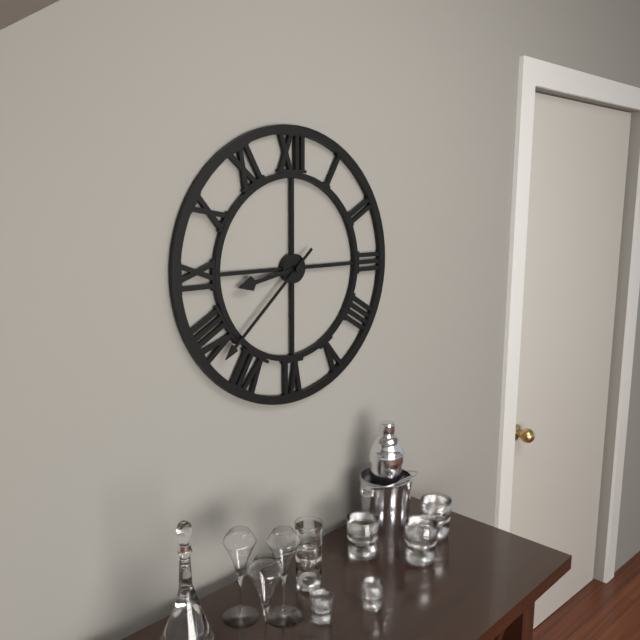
{"hour": 8, "minute": 38}
